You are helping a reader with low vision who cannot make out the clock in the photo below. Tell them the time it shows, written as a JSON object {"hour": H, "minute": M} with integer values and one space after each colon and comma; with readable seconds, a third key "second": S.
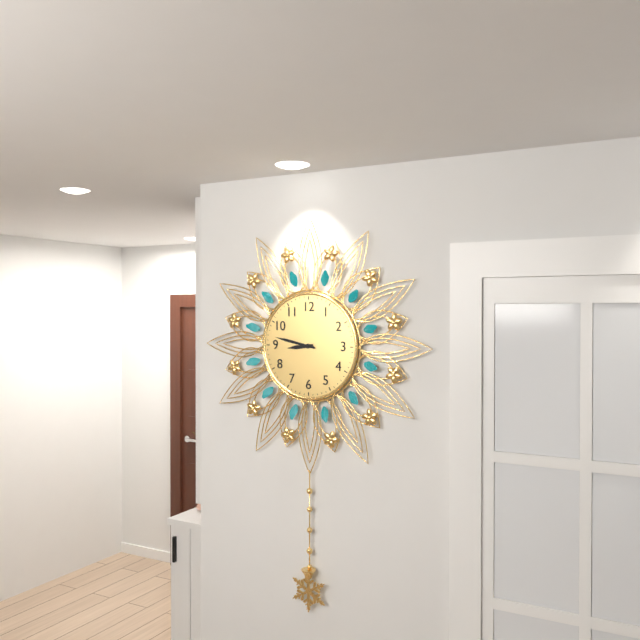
{"hour": 8, "minute": 47}
